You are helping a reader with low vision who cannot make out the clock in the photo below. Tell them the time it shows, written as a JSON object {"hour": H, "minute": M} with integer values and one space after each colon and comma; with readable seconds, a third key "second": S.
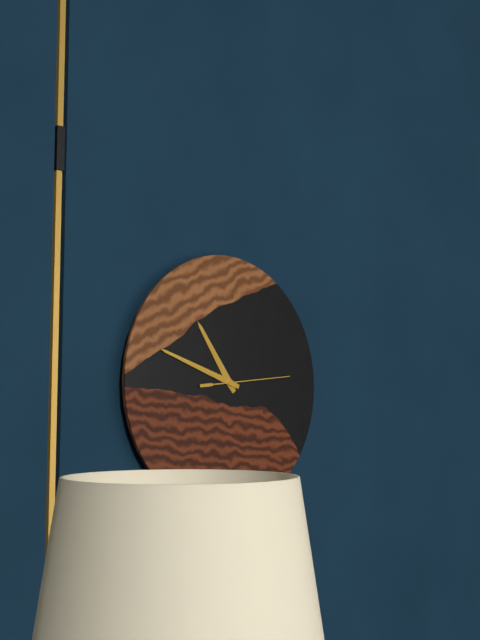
{"hour": 10, "minute": 48, "second": 14}
